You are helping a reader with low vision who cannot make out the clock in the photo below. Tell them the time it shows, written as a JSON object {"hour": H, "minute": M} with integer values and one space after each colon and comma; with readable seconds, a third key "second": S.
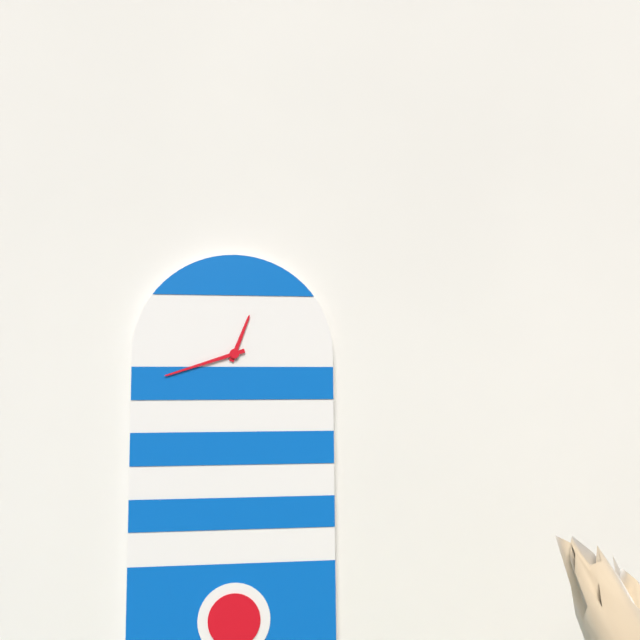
{"hour": 12, "minute": 42}
